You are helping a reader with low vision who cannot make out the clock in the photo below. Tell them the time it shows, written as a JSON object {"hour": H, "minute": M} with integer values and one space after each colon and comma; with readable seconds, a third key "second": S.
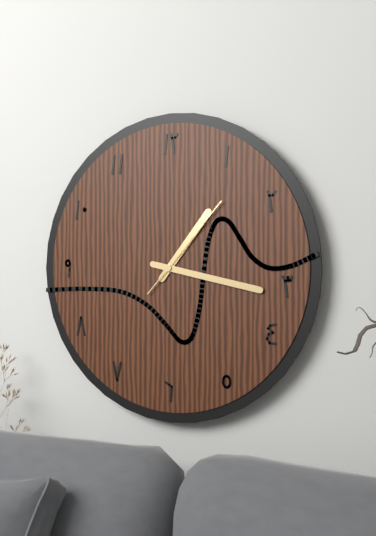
{"hour": 1, "minute": 17, "second": 7}
